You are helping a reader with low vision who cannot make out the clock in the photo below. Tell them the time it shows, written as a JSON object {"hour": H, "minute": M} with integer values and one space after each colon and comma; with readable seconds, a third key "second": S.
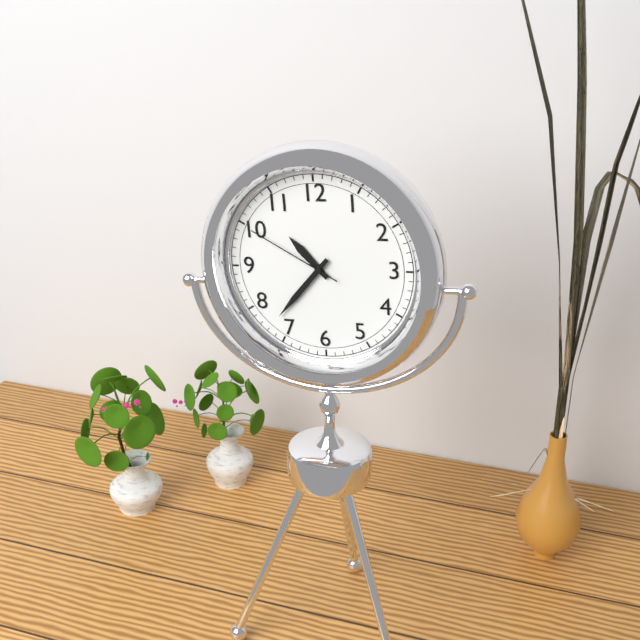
{"hour": 10, "minute": 37, "second": 50}
